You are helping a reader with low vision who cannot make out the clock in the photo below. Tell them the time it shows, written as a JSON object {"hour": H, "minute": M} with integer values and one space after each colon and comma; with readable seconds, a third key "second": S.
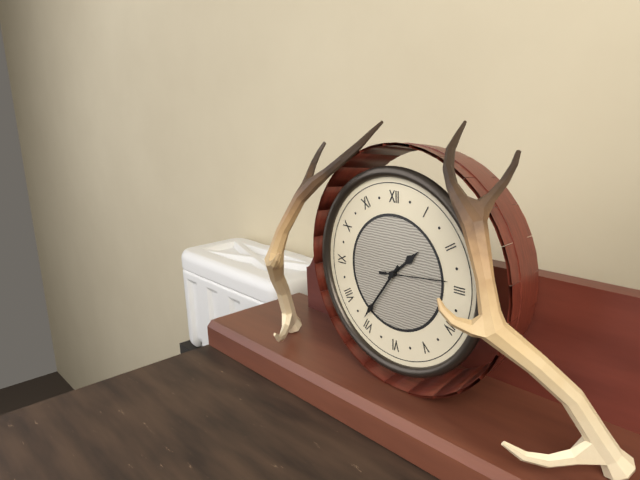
{"hour": 1, "minute": 36, "second": 14}
